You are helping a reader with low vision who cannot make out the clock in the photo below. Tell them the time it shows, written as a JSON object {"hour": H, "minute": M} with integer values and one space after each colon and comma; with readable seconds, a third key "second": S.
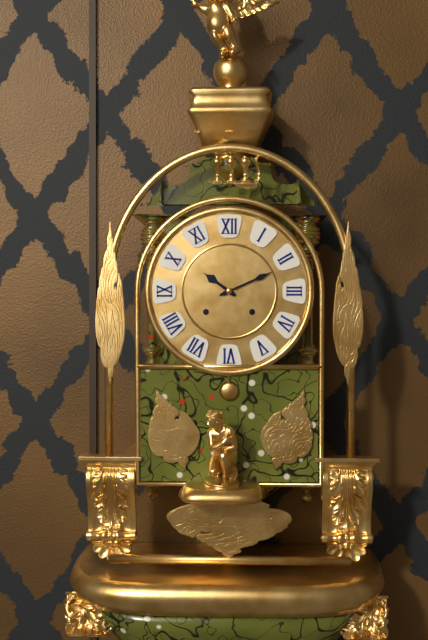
{"hour": 10, "minute": 11}
